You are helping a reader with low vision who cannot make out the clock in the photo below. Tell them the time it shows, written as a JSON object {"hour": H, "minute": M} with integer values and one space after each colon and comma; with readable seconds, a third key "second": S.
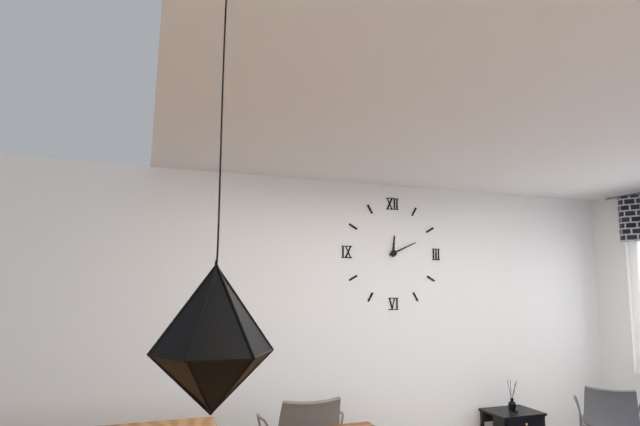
{"hour": 12, "minute": 11}
